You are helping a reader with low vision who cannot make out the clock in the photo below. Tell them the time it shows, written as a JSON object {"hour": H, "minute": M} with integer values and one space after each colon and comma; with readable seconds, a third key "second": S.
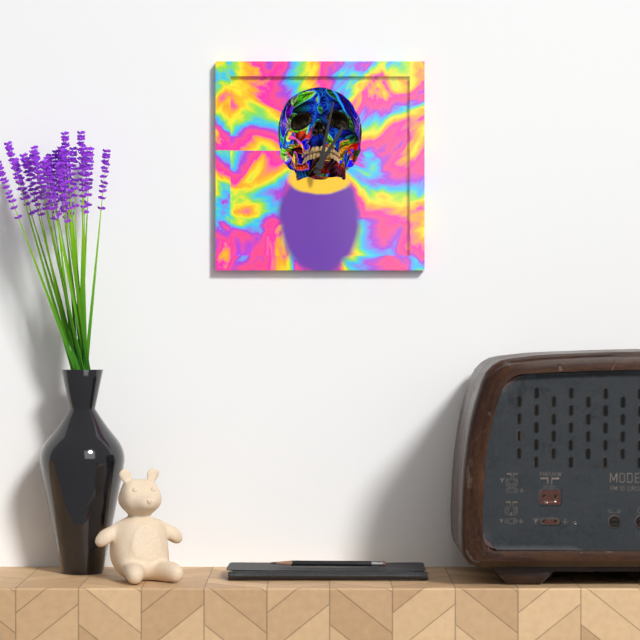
{"hour": 1, "minute": 2}
